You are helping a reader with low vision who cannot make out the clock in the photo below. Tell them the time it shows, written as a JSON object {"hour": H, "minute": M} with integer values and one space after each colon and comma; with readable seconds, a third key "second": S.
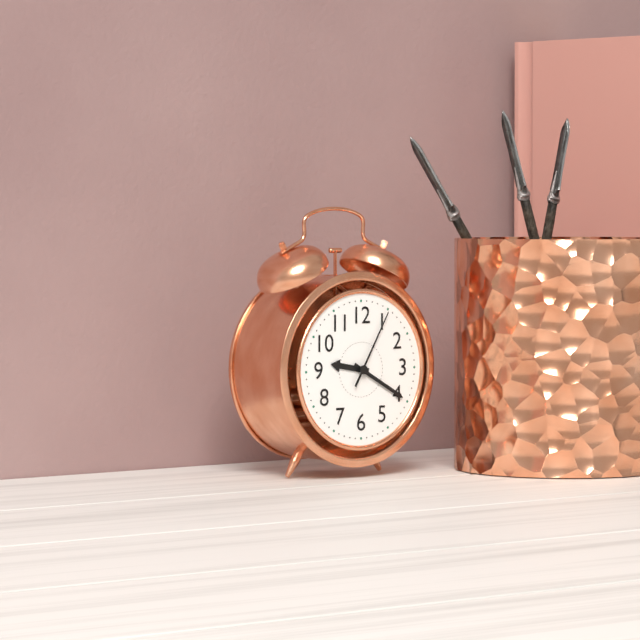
{"hour": 9, "minute": 20, "second": 5}
